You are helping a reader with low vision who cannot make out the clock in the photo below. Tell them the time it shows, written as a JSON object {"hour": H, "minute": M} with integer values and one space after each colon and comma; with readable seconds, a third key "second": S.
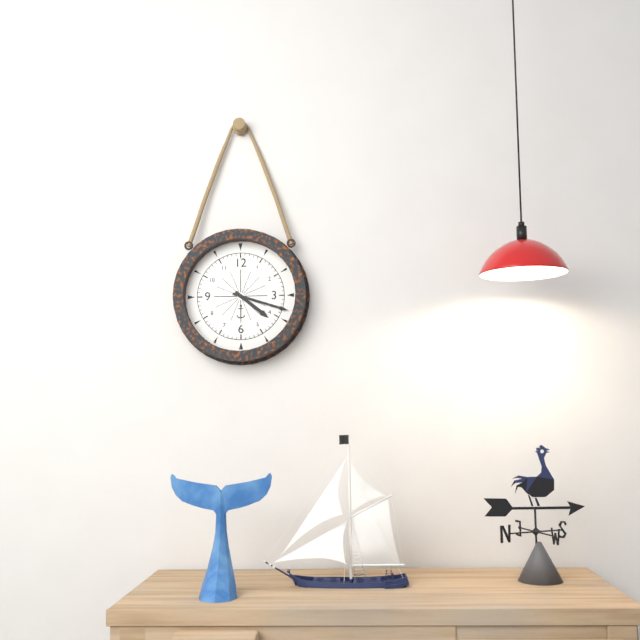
{"hour": 4, "minute": 18}
